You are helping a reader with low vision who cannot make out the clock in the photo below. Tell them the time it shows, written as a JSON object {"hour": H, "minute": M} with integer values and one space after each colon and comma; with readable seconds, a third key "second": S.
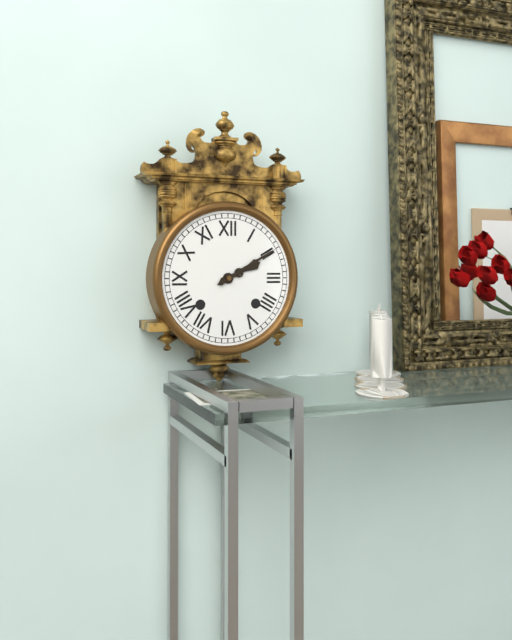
{"hour": 2, "minute": 10}
